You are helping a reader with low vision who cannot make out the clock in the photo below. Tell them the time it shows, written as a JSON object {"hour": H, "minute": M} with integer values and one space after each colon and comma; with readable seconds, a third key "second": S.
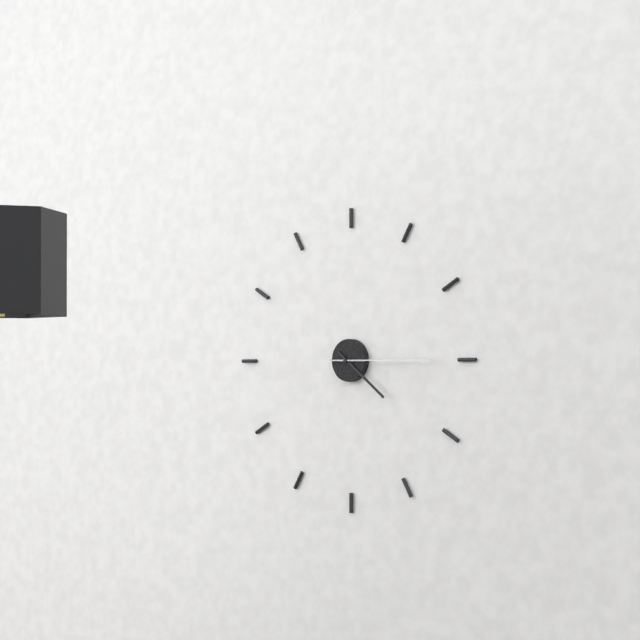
{"hour": 4, "minute": 15}
